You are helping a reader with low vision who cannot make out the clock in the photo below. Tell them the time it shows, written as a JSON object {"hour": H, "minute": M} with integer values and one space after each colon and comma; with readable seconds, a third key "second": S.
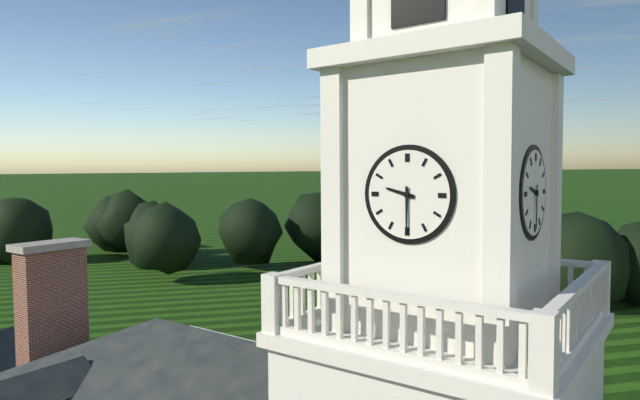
{"hour": 9, "minute": 30}
